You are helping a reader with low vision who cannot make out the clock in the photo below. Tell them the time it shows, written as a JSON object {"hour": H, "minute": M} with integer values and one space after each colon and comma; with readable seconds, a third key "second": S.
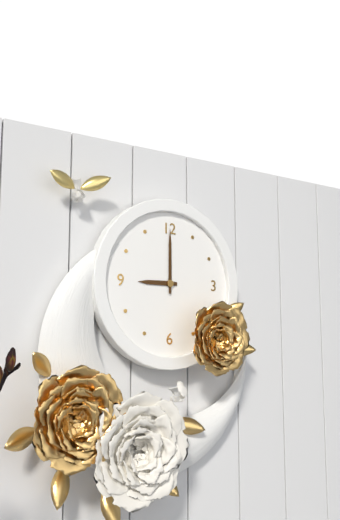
{"hour": 9, "minute": 0}
